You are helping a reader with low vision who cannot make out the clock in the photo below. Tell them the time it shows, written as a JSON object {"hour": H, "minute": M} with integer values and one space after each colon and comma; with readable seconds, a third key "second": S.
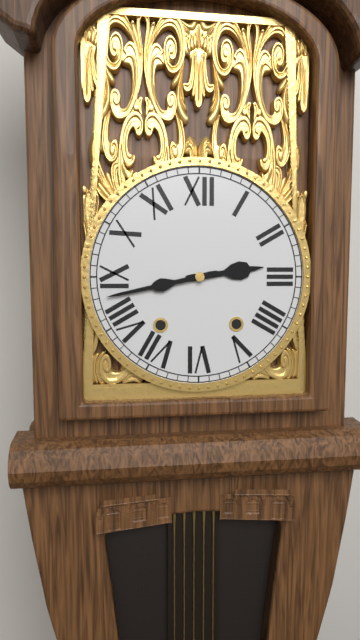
{"hour": 2, "minute": 43}
